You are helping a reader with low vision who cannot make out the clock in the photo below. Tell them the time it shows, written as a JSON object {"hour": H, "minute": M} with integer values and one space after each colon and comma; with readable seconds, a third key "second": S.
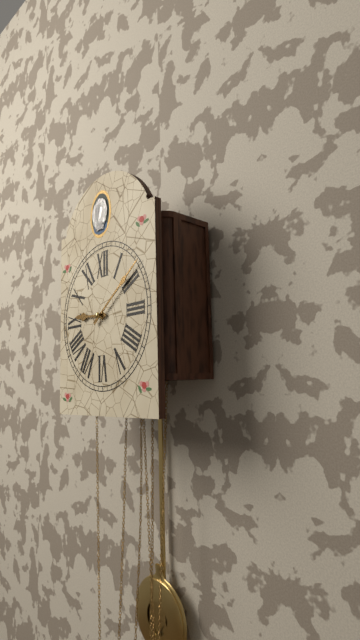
{"hour": 9, "minute": 9}
